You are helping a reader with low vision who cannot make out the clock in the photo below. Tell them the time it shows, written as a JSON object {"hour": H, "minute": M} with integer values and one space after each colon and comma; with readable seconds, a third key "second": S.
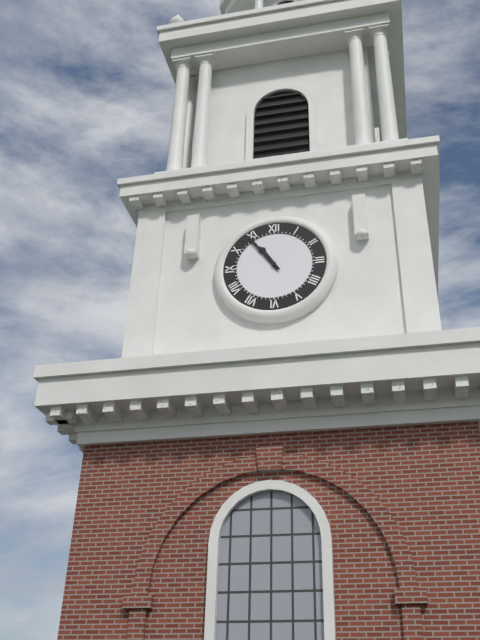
{"hour": 10, "minute": 54}
